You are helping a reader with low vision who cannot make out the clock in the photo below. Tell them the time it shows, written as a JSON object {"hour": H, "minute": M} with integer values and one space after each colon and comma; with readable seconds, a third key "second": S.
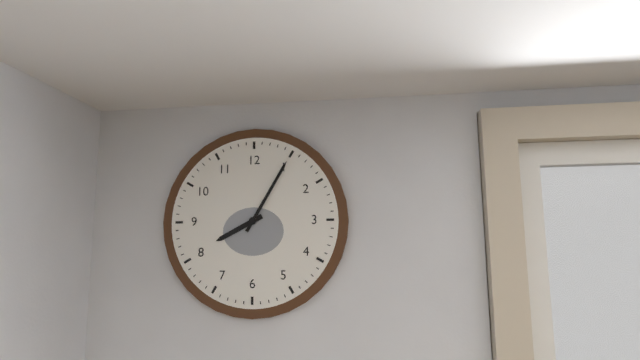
{"hour": 8, "minute": 5}
